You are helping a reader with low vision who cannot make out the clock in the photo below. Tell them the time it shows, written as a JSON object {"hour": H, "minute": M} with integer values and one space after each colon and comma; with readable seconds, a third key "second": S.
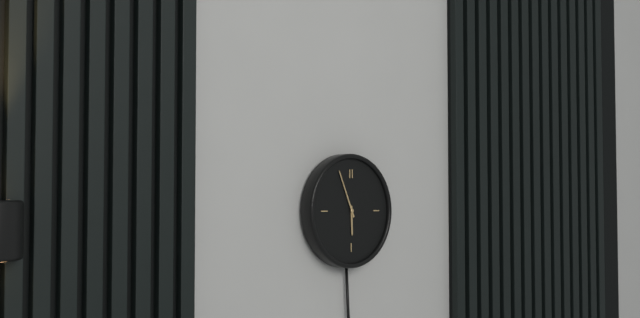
{"hour": 5, "minute": 56}
